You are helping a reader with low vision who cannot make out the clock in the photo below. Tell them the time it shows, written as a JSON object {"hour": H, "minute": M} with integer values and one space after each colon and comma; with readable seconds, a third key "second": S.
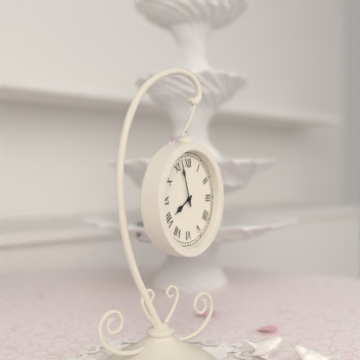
{"hour": 7, "minute": 57}
